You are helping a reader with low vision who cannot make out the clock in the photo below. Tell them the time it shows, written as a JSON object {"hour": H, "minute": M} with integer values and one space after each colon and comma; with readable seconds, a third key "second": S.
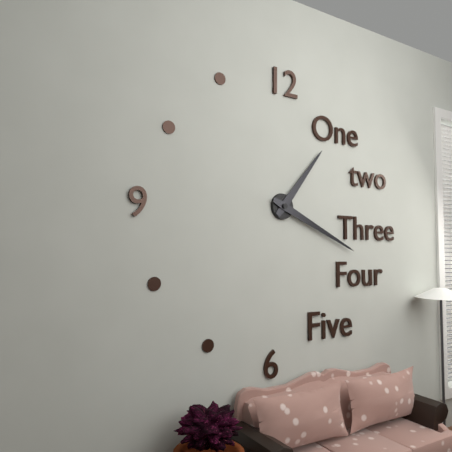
{"hour": 1, "minute": 19}
